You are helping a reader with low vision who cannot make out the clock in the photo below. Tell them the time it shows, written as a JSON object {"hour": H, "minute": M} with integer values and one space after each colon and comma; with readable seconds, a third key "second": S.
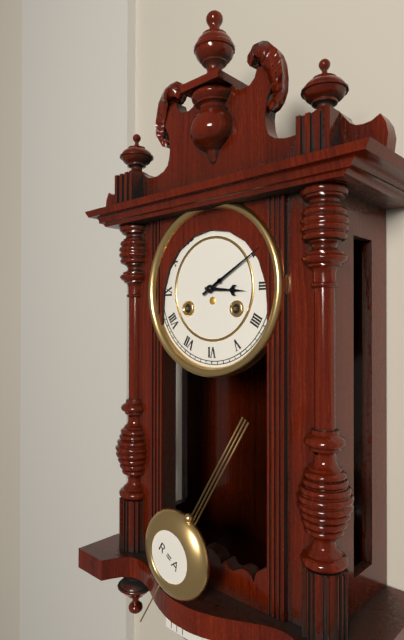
{"hour": 3, "minute": 10}
